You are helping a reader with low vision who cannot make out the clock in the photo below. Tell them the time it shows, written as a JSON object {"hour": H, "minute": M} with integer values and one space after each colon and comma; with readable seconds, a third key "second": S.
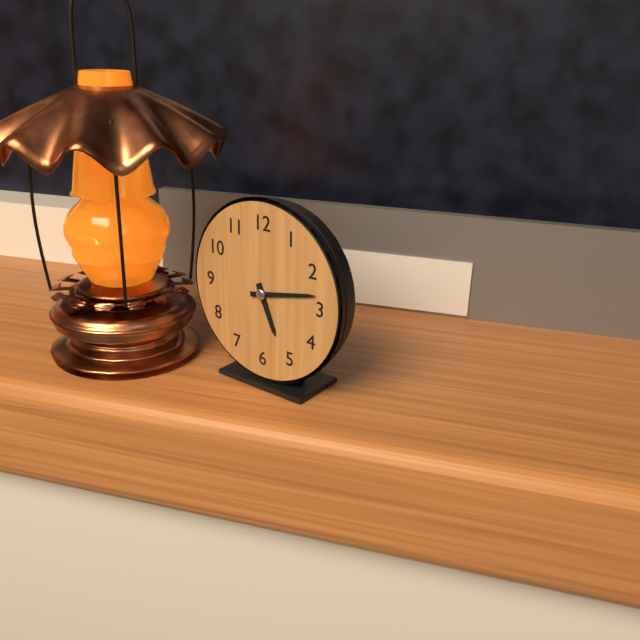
{"hour": 5, "minute": 13}
